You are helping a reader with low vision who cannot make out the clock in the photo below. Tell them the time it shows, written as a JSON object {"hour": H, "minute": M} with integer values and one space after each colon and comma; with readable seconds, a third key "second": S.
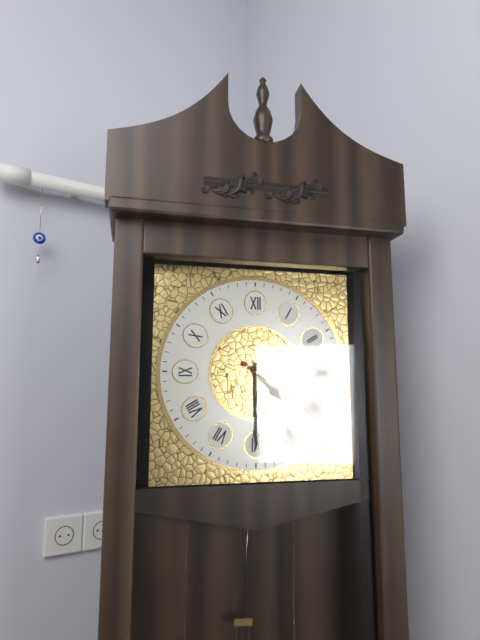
{"hour": 4, "minute": 30, "second": 21}
